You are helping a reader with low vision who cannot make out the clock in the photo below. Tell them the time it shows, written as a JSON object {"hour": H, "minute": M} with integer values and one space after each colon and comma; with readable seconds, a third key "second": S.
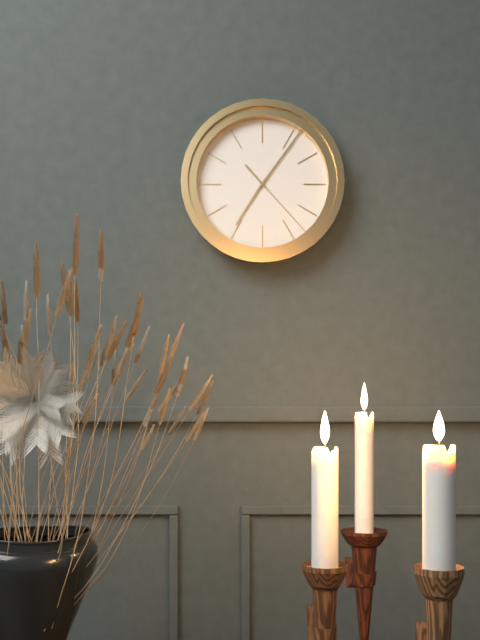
{"hour": 7, "minute": 6, "second": 23}
